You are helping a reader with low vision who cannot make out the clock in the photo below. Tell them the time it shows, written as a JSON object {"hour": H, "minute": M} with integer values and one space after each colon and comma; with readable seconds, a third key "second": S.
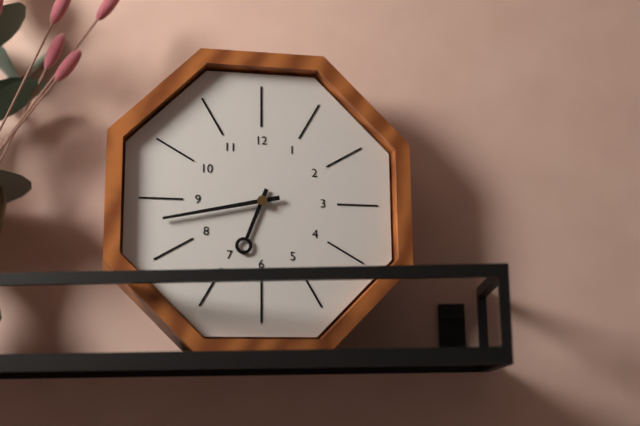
{"hour": 6, "minute": 43}
